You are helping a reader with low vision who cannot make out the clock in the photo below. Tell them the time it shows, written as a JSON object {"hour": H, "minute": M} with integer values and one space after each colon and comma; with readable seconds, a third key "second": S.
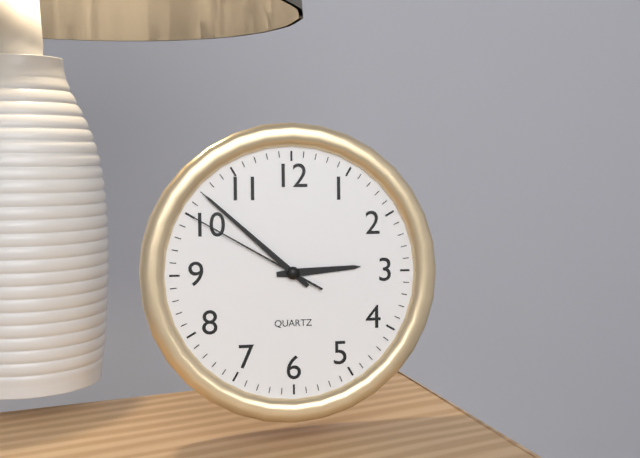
{"hour": 2, "minute": 52, "second": 50}
